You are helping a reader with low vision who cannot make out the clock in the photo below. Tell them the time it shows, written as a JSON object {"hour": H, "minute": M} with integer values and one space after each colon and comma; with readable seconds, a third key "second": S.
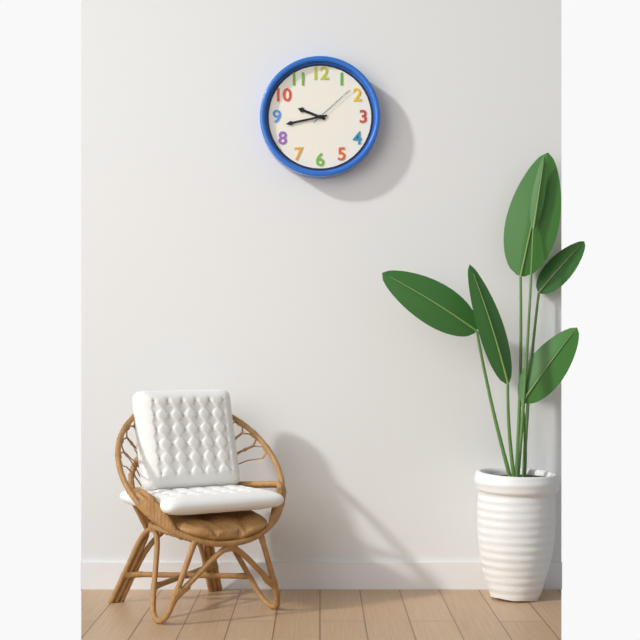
{"hour": 9, "minute": 43, "second": 8}
